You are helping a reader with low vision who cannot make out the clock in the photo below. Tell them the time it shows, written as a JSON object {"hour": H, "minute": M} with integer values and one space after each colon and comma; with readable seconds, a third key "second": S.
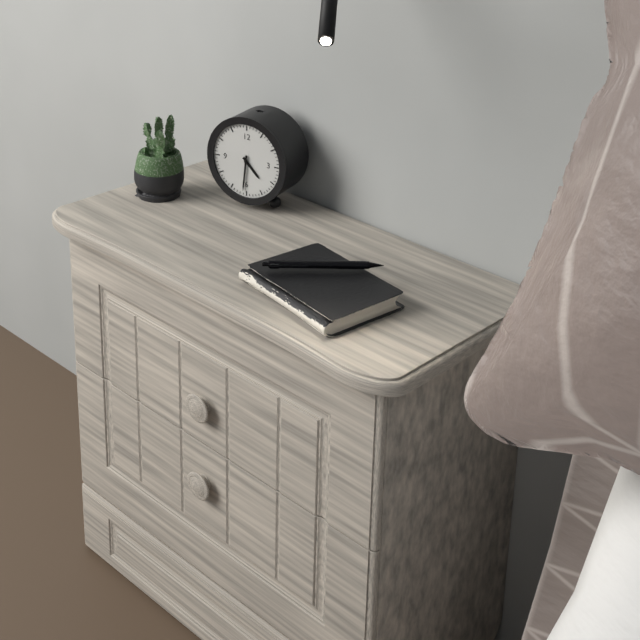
{"hour": 4, "minute": 31}
